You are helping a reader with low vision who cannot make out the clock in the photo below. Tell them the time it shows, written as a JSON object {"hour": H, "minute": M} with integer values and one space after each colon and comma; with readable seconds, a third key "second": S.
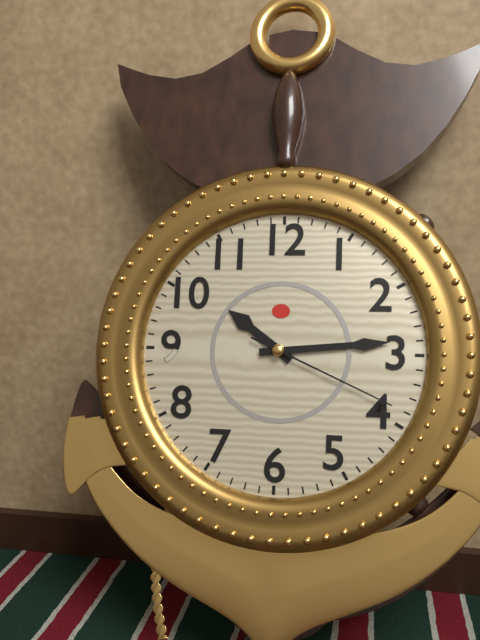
{"hour": 10, "minute": 14, "second": 19}
